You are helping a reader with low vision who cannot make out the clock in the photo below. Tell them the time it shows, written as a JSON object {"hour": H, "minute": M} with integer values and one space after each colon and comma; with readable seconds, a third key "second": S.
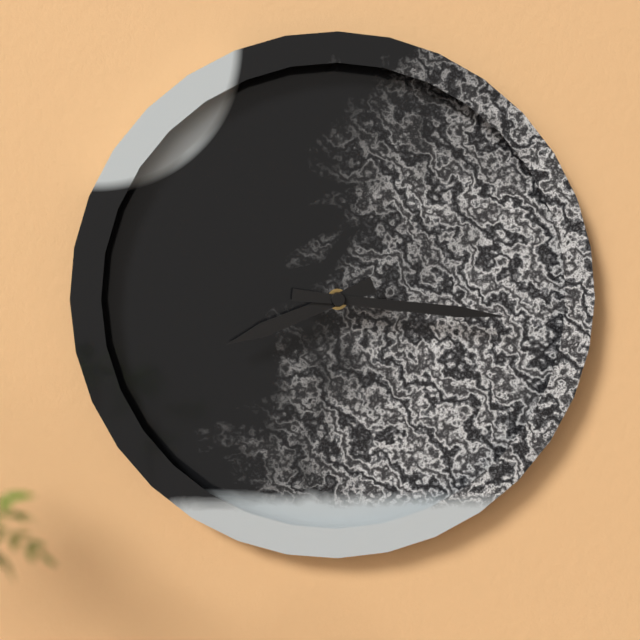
{"hour": 8, "minute": 16}
